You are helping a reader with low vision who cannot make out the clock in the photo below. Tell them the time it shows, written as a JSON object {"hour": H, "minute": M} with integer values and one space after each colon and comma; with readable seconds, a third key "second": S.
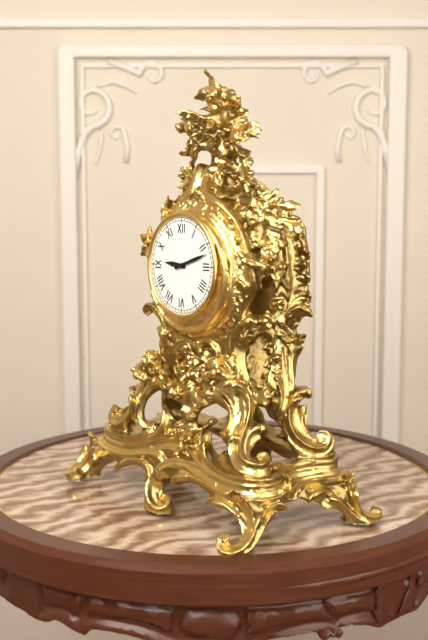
{"hour": 9, "minute": 12}
